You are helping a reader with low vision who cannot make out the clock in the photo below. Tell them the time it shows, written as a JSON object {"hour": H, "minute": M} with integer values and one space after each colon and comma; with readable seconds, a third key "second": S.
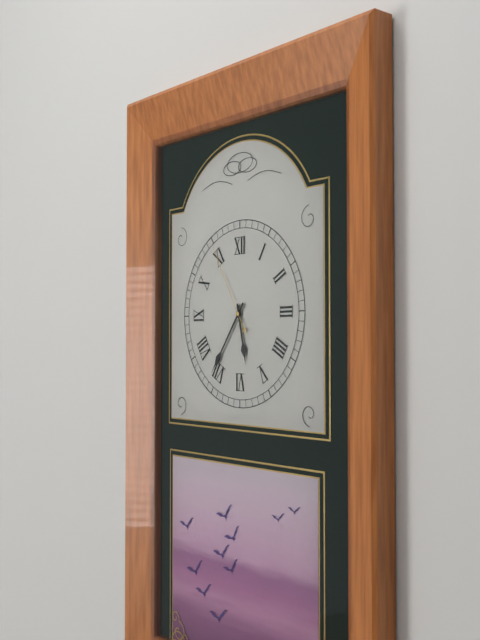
{"hour": 5, "minute": 36, "second": 55}
